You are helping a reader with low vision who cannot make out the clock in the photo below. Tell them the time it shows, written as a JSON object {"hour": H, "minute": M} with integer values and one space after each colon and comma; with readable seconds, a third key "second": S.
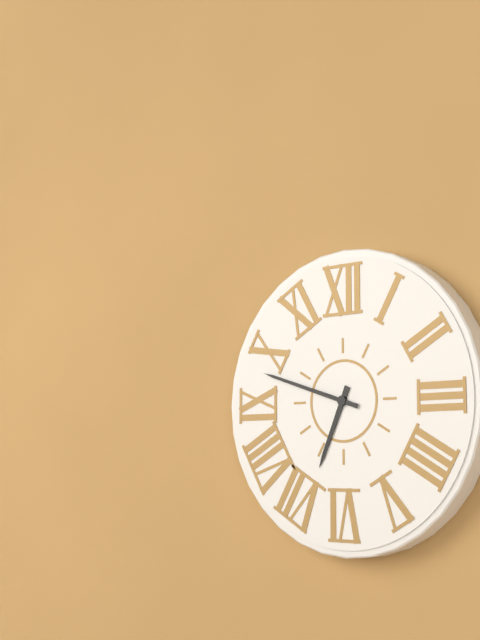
{"hour": 6, "minute": 48}
